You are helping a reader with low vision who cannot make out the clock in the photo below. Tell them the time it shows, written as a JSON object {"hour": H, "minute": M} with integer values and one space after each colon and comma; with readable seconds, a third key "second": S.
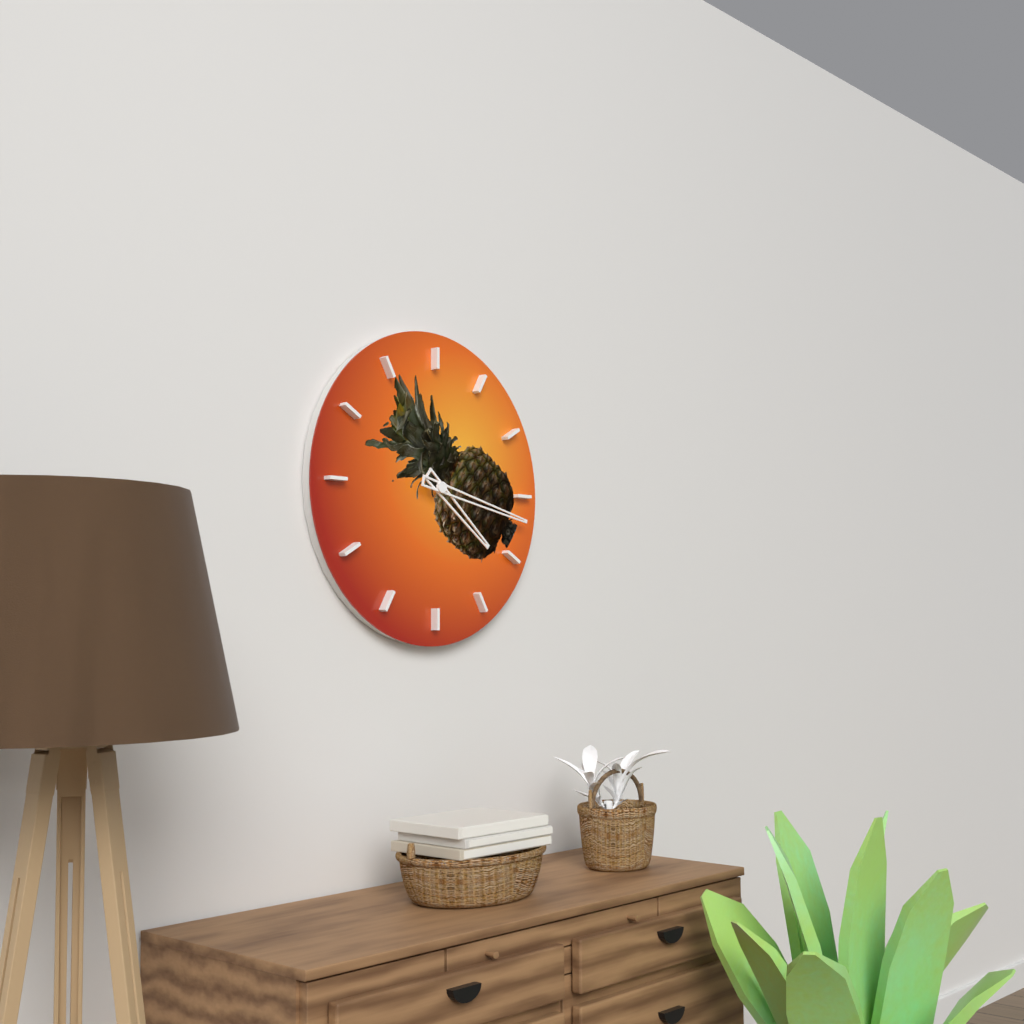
{"hour": 4, "minute": 17}
